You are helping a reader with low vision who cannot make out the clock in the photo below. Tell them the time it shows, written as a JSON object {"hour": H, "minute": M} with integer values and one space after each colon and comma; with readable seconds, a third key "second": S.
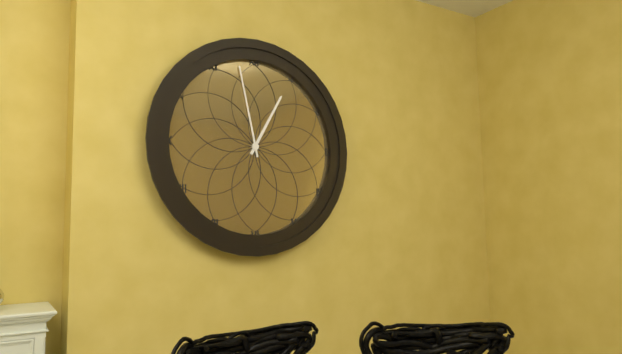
{"hour": 12, "minute": 58}
